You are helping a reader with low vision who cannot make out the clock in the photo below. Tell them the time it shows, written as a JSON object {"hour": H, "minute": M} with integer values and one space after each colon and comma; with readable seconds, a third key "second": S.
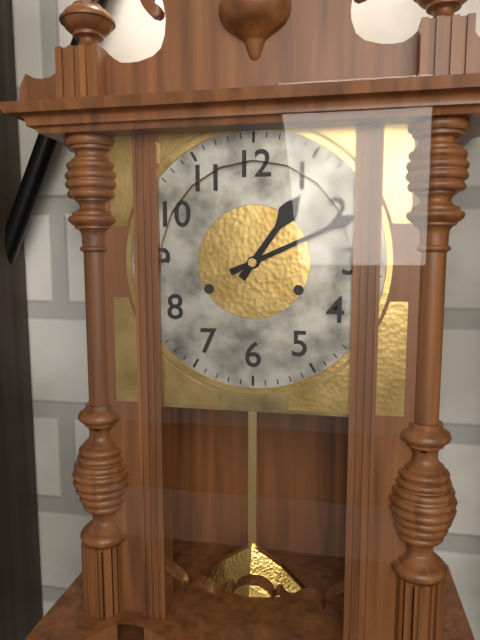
{"hour": 1, "minute": 11}
